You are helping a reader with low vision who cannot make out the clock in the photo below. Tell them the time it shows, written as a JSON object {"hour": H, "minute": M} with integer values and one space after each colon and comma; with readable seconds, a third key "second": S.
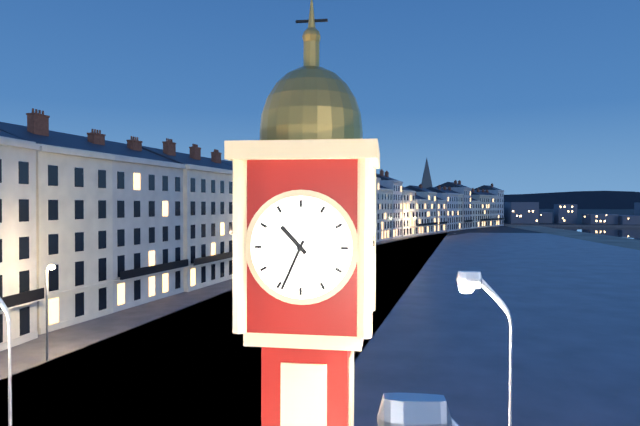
{"hour": 10, "minute": 34}
